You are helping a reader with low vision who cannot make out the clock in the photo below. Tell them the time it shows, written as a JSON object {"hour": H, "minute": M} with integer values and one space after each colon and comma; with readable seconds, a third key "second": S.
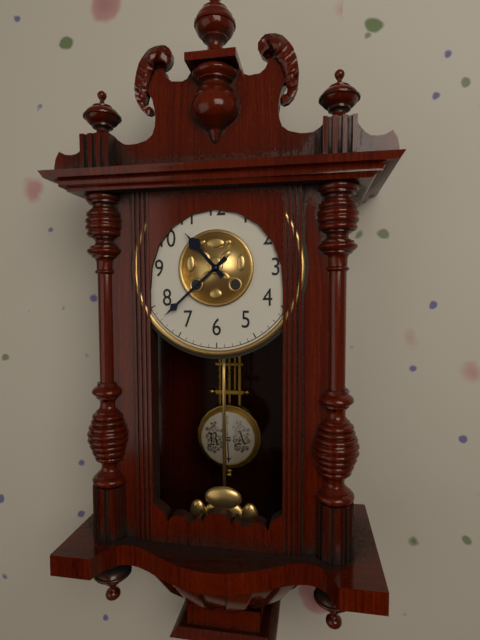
{"hour": 10, "minute": 38}
